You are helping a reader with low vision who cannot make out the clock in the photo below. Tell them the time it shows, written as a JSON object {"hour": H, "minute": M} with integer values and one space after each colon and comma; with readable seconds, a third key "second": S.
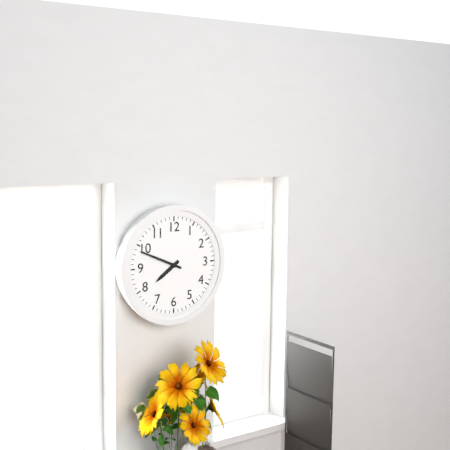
{"hour": 7, "minute": 49}
